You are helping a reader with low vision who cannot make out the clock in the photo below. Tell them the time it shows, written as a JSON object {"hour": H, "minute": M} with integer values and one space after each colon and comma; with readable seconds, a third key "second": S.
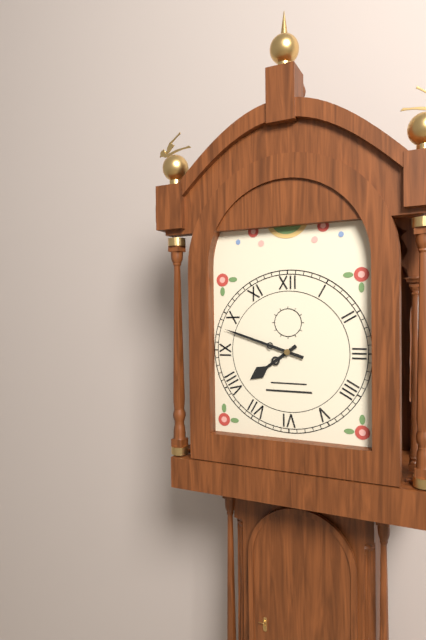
{"hour": 7, "minute": 48}
